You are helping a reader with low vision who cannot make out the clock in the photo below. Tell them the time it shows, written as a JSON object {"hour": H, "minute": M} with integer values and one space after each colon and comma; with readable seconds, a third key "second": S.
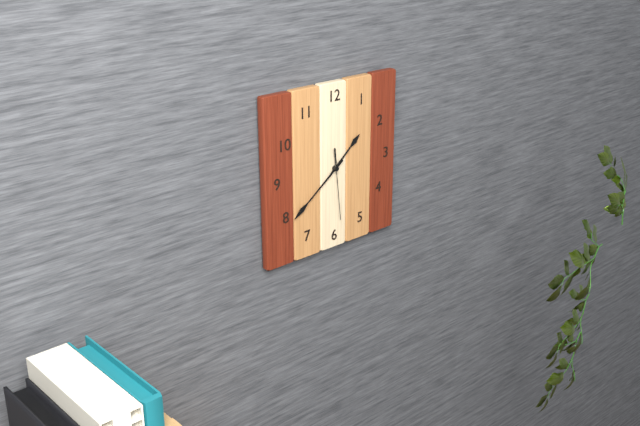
{"hour": 1, "minute": 39, "second": 29}
